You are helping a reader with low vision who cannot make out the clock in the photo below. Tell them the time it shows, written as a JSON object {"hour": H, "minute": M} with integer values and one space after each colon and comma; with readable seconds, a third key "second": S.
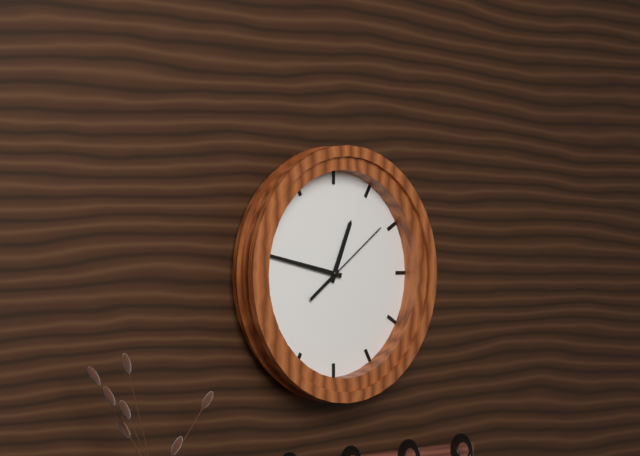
{"hour": 12, "minute": 47, "second": 9}
